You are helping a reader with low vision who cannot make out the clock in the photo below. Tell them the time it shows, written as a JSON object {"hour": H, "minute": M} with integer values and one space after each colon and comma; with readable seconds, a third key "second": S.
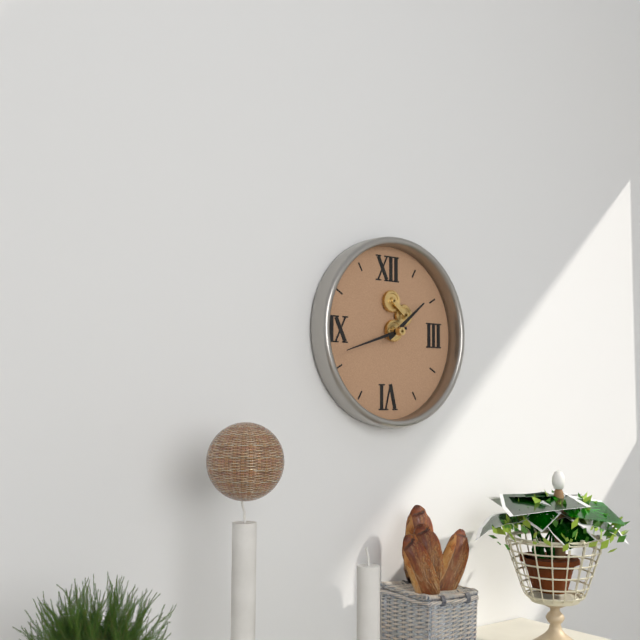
{"hour": 1, "minute": 42}
